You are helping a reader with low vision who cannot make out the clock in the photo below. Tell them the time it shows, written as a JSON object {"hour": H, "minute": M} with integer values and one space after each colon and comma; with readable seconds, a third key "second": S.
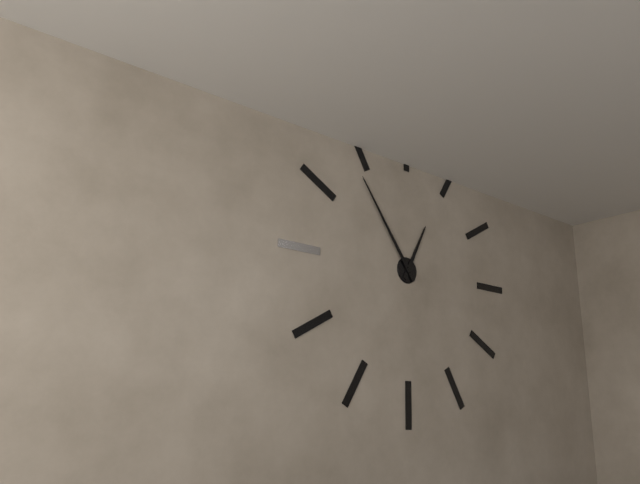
{"hour": 12, "minute": 54}
